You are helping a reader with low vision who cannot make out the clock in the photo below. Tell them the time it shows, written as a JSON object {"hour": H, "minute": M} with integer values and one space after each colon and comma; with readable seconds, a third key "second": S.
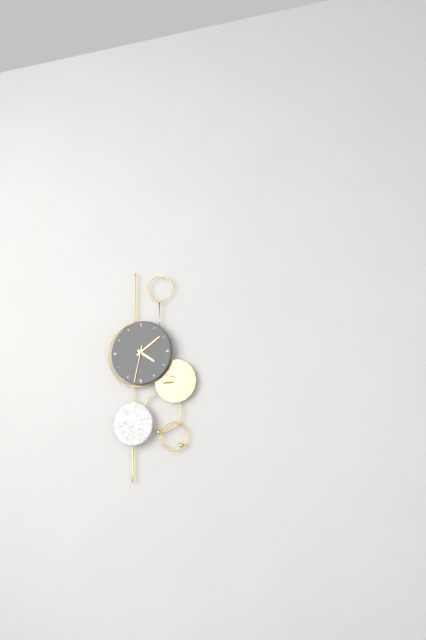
{"hour": 4, "minute": 9}
